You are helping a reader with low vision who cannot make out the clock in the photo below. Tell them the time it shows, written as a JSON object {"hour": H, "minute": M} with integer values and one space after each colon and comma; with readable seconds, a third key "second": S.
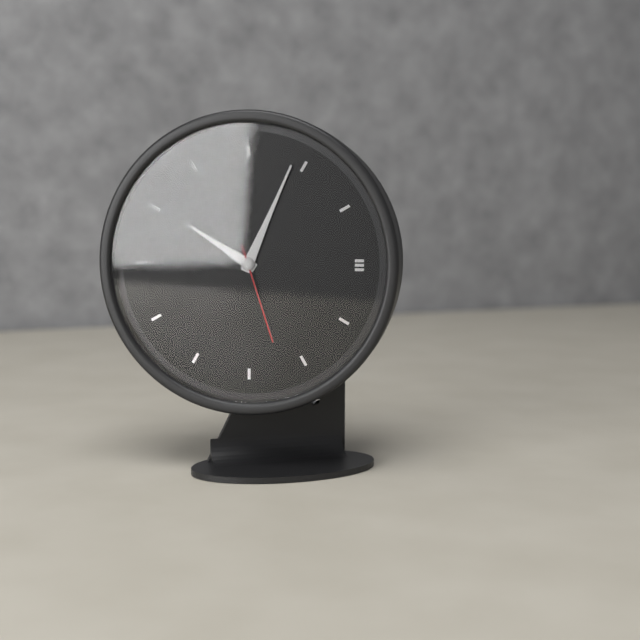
{"hour": 10, "minute": 4, "second": 27}
